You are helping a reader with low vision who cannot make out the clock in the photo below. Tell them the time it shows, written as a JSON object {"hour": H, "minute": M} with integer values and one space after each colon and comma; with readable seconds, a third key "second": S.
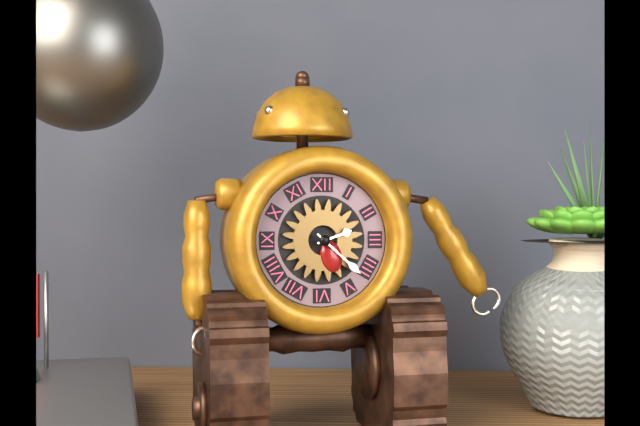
{"hour": 2, "minute": 22}
